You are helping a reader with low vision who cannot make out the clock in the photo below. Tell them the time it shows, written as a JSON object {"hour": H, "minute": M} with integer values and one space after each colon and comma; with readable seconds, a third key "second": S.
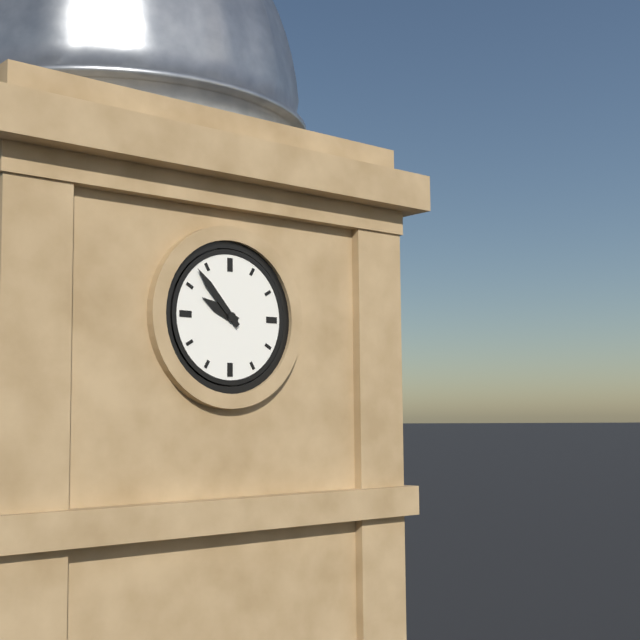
{"hour": 9, "minute": 53}
